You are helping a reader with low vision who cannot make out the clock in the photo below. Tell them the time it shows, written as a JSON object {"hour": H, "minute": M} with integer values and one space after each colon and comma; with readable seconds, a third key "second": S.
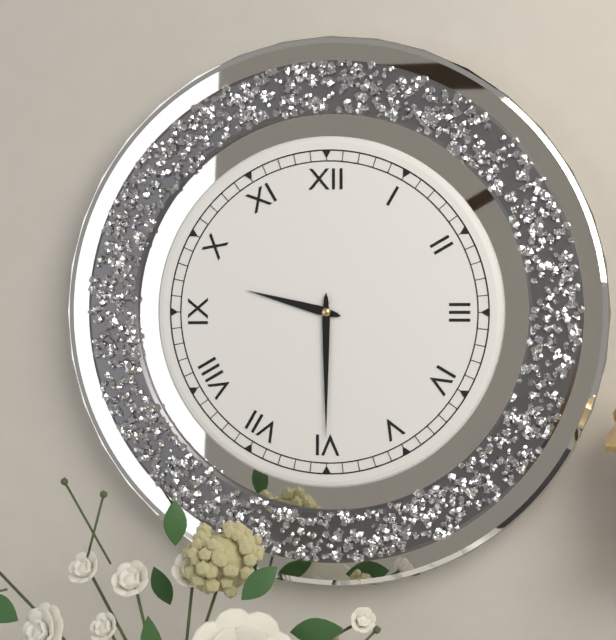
{"hour": 9, "minute": 30}
